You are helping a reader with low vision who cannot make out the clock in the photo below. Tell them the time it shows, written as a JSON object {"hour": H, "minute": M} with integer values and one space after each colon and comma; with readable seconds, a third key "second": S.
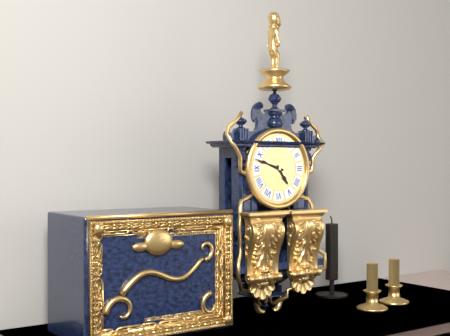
{"hour": 4, "minute": 48}
